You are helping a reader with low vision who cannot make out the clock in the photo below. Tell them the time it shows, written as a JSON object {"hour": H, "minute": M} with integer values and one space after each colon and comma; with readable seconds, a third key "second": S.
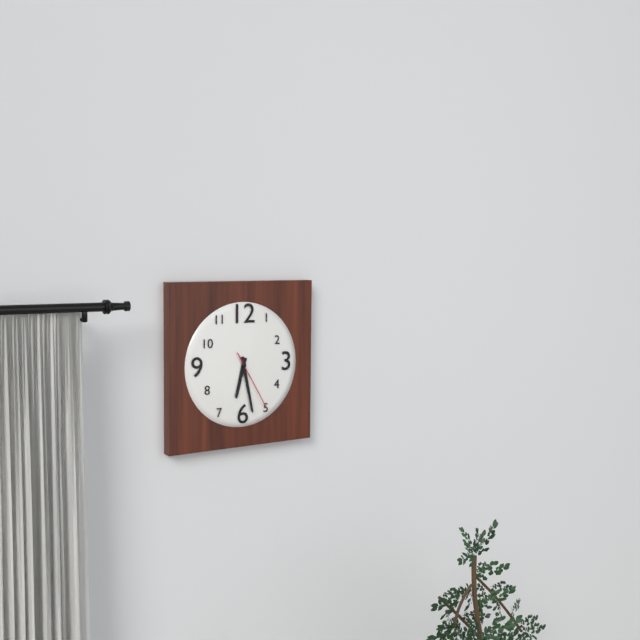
{"hour": 6, "minute": 28, "second": 25}
